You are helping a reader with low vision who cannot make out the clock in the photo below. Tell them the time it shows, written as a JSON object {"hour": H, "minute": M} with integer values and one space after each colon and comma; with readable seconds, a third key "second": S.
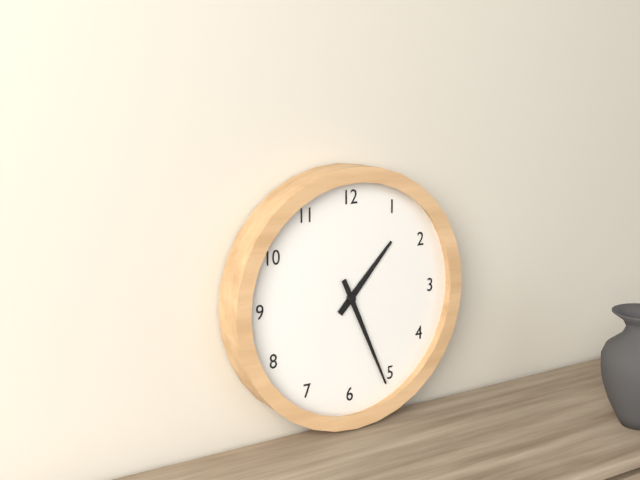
{"hour": 1, "minute": 26}
